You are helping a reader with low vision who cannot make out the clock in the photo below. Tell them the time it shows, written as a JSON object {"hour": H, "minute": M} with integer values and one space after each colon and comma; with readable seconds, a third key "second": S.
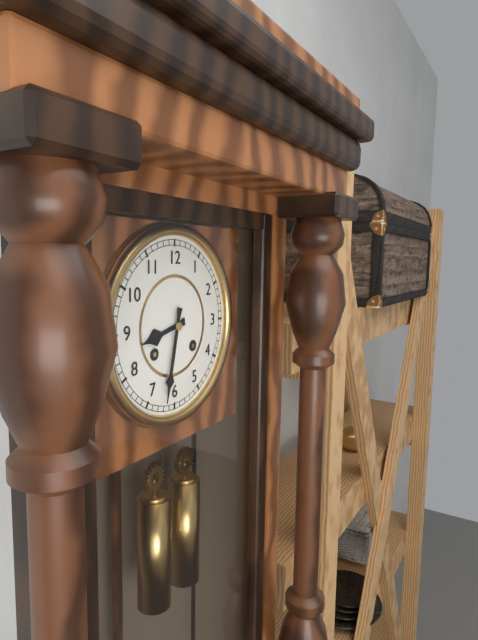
{"hour": 8, "minute": 32}
